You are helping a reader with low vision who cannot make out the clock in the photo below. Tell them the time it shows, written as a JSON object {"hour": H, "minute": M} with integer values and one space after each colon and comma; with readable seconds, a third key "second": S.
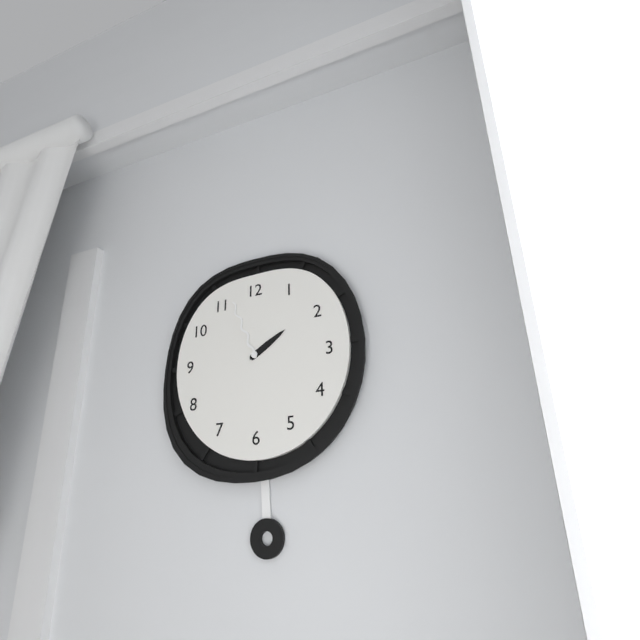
{"hour": 1, "minute": 56}
